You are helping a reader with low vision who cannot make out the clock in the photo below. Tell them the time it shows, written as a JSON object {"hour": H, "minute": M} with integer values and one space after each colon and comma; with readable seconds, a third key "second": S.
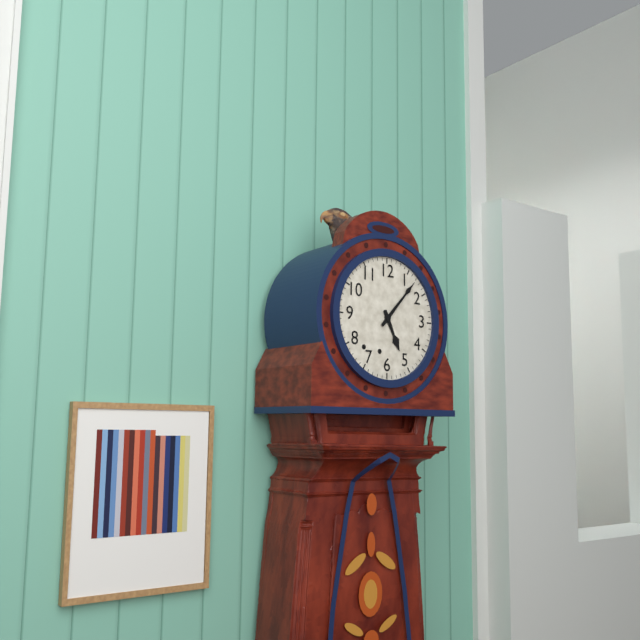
{"hour": 5, "minute": 7}
